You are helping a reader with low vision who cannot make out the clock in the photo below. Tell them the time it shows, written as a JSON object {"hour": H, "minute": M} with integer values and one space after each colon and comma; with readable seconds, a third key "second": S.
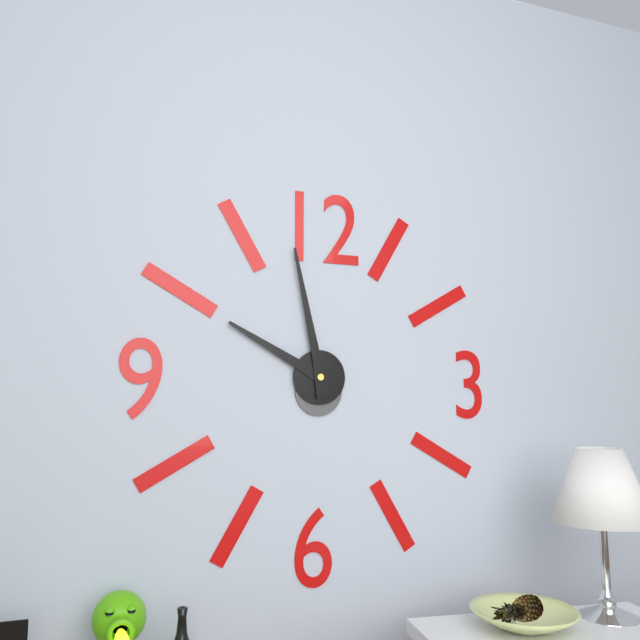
{"hour": 9, "minute": 58}
